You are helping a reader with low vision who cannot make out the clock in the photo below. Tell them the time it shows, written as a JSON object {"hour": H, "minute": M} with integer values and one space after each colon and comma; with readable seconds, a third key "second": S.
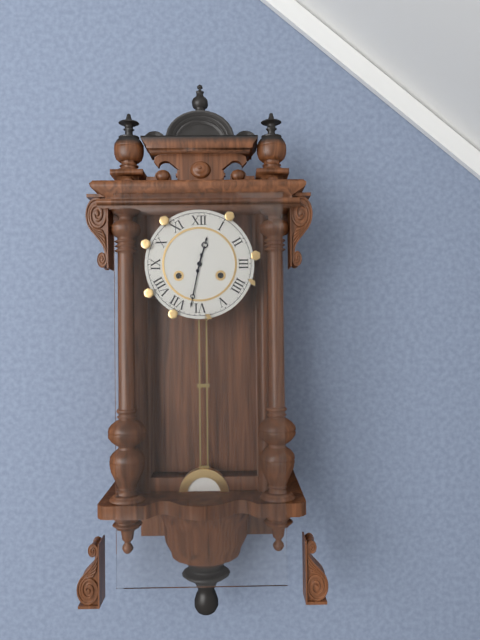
{"hour": 12, "minute": 32}
